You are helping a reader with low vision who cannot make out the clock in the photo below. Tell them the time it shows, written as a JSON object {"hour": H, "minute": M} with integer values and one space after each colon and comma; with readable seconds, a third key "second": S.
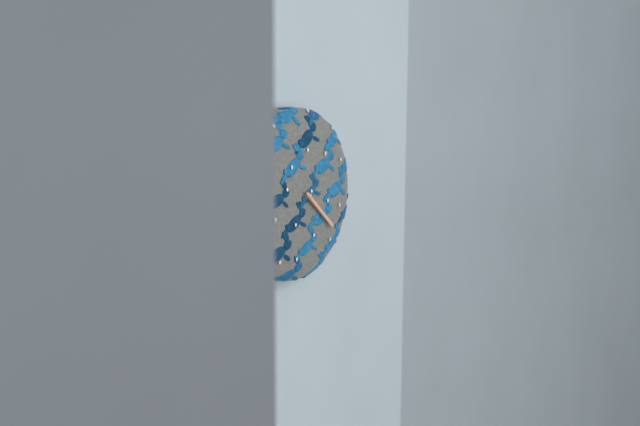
{"hour": 4, "minute": 22}
